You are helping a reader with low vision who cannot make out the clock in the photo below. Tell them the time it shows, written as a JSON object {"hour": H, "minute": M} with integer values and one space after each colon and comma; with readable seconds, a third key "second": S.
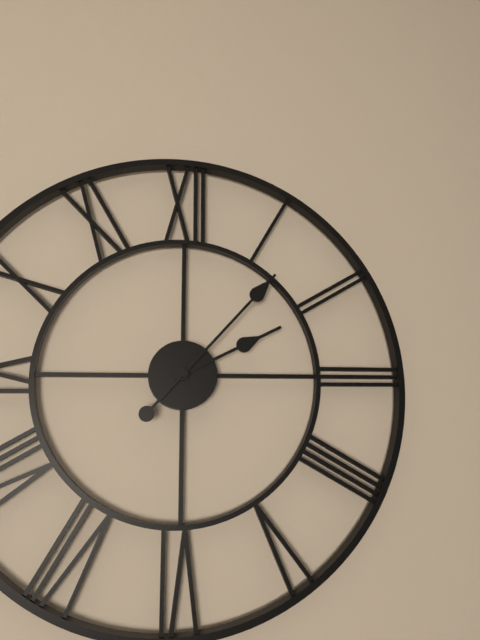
{"hour": 2, "minute": 7}
